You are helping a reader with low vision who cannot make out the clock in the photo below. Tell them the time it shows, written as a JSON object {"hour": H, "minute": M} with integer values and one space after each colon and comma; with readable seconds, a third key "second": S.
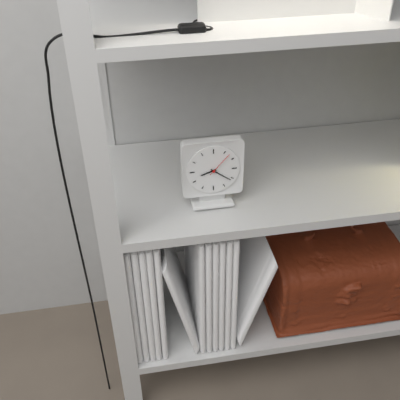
{"hour": 8, "minute": 21}
